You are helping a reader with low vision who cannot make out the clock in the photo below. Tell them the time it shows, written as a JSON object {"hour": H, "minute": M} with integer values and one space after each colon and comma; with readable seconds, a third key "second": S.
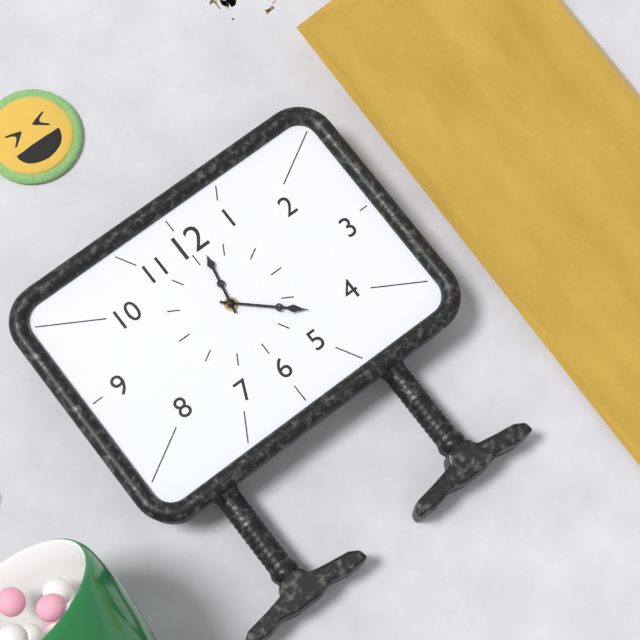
{"hour": 12, "minute": 22}
